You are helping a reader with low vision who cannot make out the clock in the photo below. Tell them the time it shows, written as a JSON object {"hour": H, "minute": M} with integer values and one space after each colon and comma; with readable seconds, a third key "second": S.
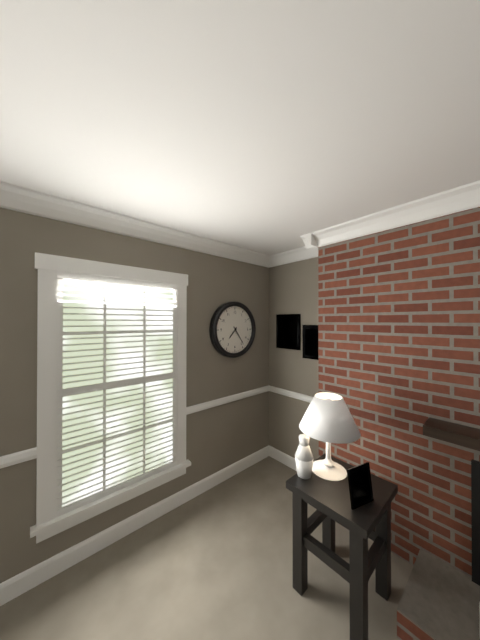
{"hour": 7, "minute": 24}
